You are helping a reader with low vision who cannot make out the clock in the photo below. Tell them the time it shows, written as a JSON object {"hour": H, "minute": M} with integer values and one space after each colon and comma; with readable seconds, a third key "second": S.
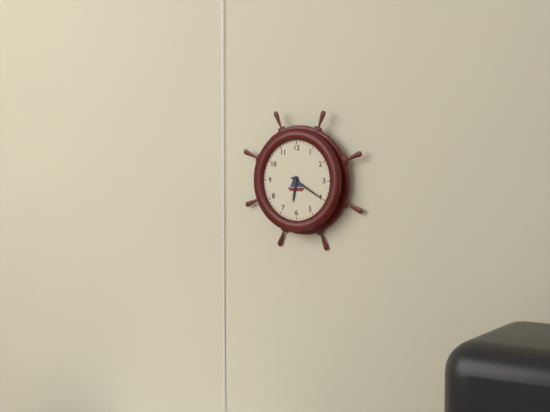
{"hour": 6, "minute": 20}
